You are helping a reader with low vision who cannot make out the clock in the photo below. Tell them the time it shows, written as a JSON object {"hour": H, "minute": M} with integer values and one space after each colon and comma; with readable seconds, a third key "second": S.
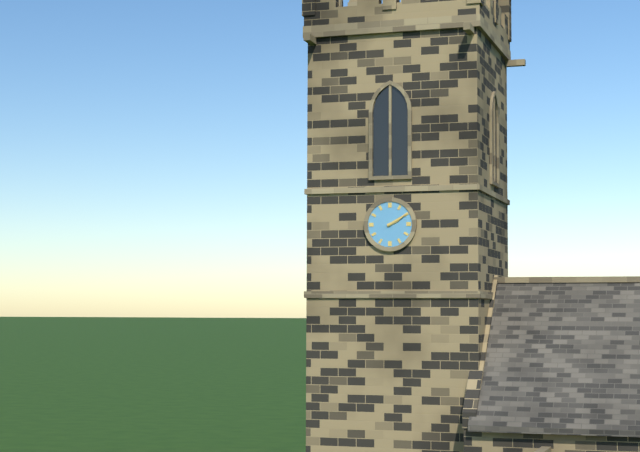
{"hour": 2, "minute": 10}
